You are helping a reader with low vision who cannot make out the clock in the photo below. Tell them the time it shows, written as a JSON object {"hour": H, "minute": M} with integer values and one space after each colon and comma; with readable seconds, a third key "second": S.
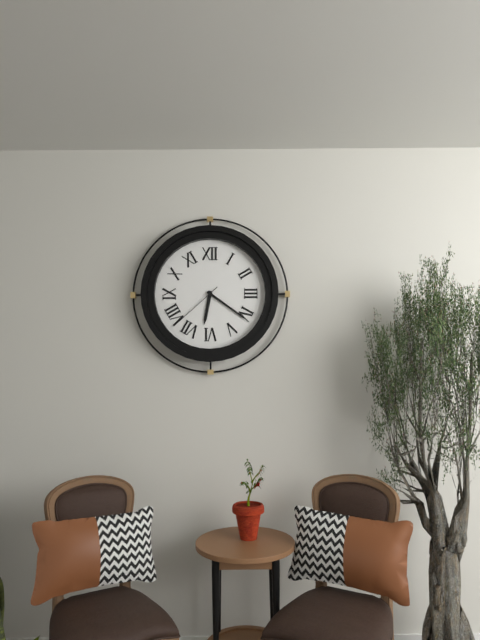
{"hour": 6, "minute": 21, "second": 38}
